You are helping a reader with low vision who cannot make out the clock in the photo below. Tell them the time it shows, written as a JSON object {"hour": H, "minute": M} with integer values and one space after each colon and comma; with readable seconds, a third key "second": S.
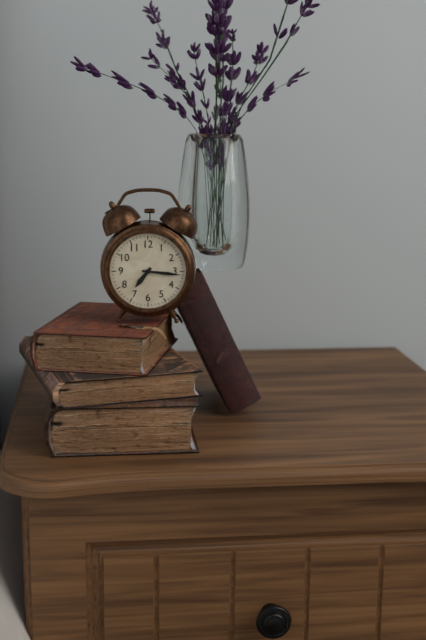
{"hour": 7, "minute": 16}
